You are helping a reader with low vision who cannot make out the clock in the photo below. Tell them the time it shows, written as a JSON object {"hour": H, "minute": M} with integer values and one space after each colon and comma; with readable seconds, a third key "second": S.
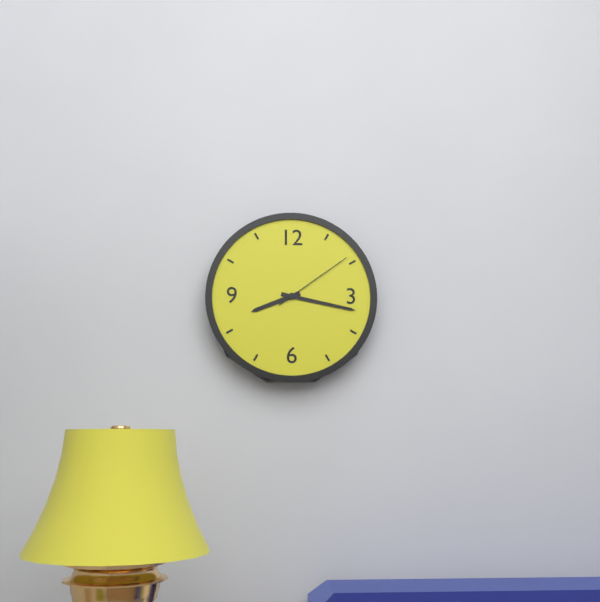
{"hour": 8, "minute": 17, "second": 9}
